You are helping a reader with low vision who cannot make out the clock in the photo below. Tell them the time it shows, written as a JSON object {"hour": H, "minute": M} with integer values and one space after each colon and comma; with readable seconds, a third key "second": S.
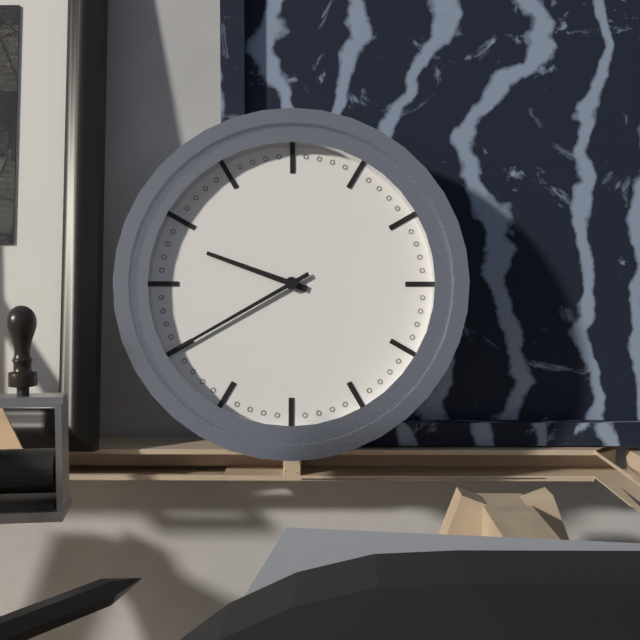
{"hour": 9, "minute": 40}
